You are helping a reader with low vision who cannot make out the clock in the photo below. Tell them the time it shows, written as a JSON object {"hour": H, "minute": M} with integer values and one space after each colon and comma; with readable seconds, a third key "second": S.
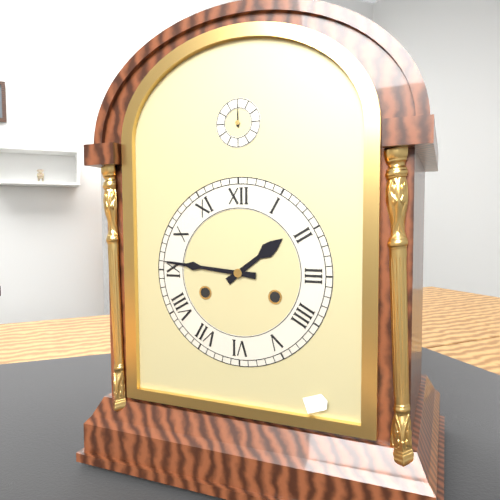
{"hour": 1, "minute": 46}
